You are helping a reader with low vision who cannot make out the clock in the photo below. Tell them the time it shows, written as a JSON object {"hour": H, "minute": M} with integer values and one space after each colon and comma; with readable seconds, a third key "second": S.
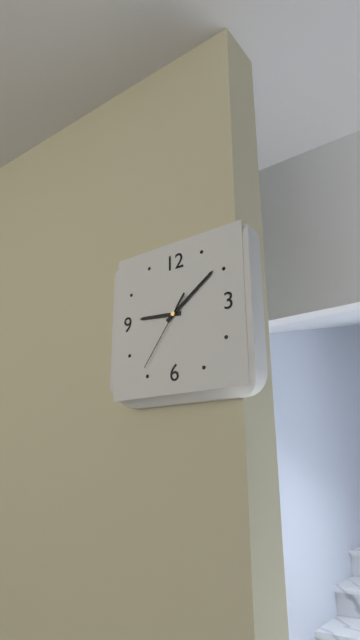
{"hour": 9, "minute": 9, "second": 36}
